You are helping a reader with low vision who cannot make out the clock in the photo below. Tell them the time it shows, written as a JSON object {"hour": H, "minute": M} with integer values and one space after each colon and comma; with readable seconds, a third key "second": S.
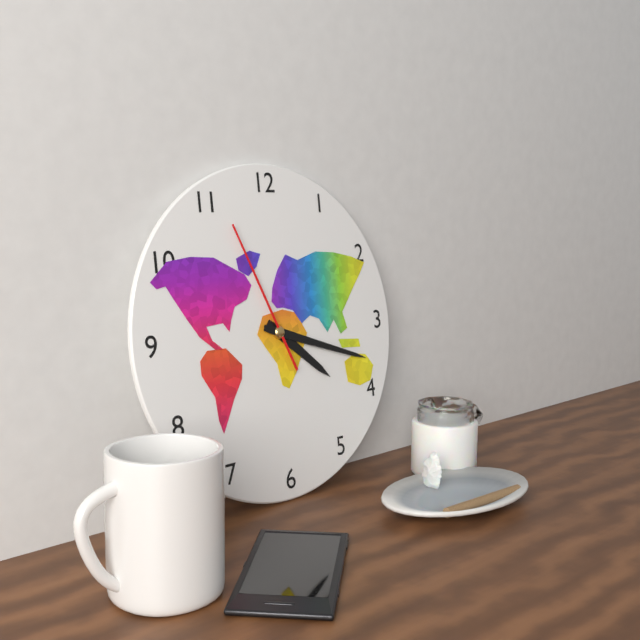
{"hour": 4, "minute": 18, "second": 56}
